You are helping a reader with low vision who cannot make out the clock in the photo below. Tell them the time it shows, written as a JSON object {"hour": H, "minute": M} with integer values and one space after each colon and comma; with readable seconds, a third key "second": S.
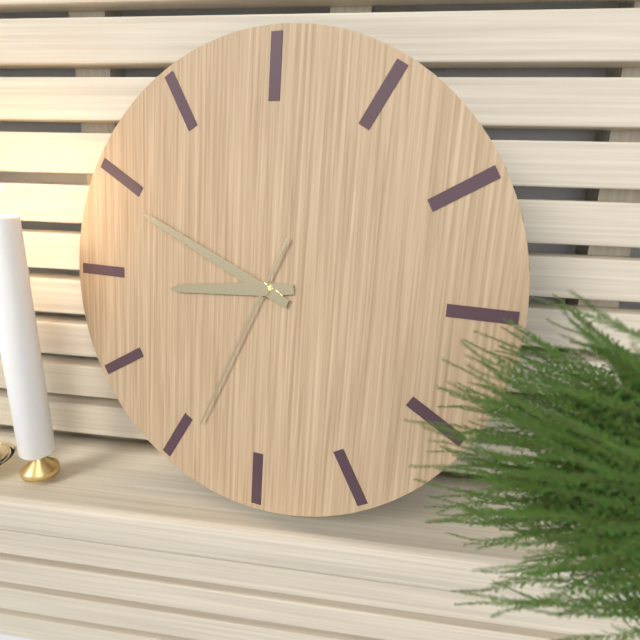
{"hour": 8, "minute": 49, "second": 34}
